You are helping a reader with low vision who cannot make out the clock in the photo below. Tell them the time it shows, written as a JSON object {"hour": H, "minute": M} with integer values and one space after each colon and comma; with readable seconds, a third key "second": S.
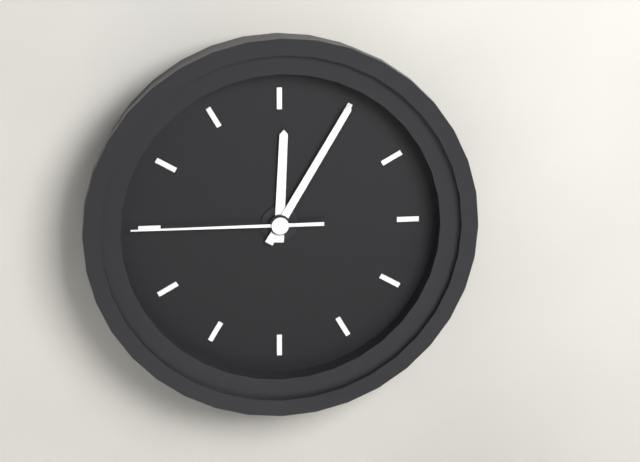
{"hour": 12, "minute": 5, "second": 45}
